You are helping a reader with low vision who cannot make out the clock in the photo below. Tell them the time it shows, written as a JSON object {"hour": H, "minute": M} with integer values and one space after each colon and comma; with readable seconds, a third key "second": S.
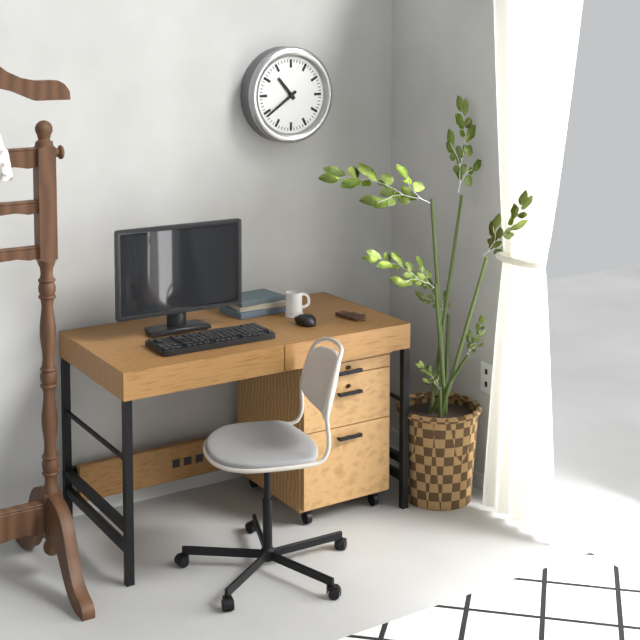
{"hour": 10, "minute": 39}
